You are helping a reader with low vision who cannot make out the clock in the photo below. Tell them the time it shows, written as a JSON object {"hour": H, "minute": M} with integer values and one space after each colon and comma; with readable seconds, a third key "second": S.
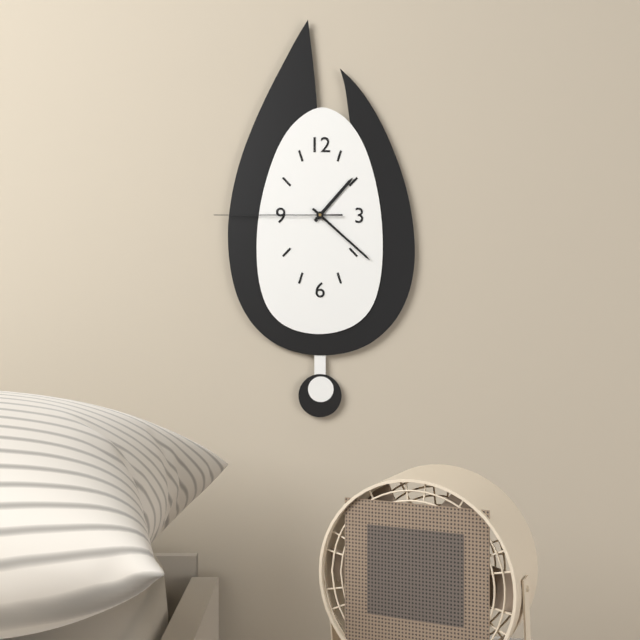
{"hour": 1, "minute": 22, "second": 45}
